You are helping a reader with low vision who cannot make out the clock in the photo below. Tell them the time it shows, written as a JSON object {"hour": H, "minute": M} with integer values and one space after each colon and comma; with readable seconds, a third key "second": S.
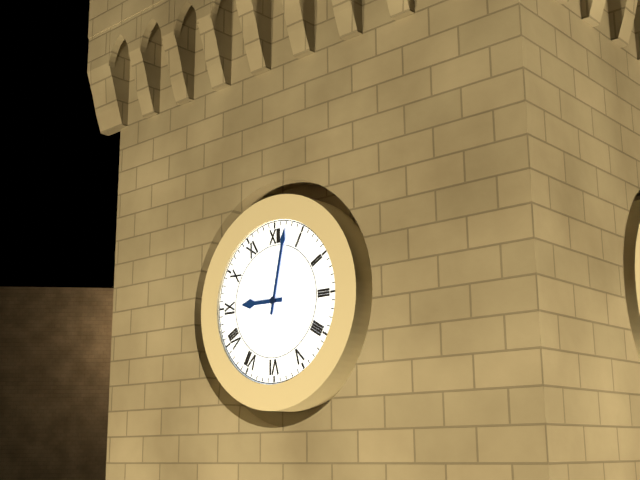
{"hour": 9, "minute": 2}
